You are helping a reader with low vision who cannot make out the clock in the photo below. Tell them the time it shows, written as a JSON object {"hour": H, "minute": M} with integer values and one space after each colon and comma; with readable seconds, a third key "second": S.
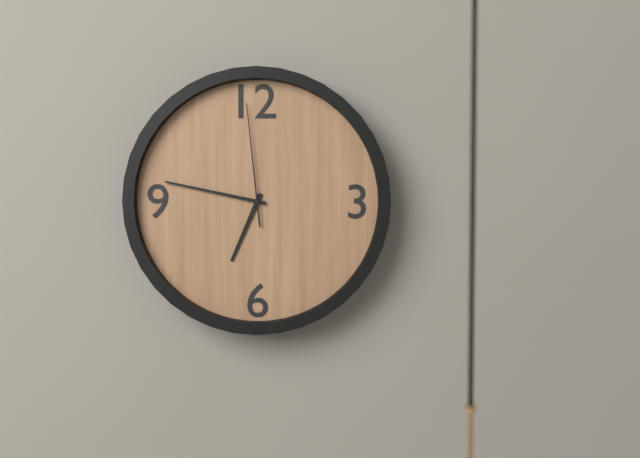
{"hour": 6, "minute": 47, "second": 59}
